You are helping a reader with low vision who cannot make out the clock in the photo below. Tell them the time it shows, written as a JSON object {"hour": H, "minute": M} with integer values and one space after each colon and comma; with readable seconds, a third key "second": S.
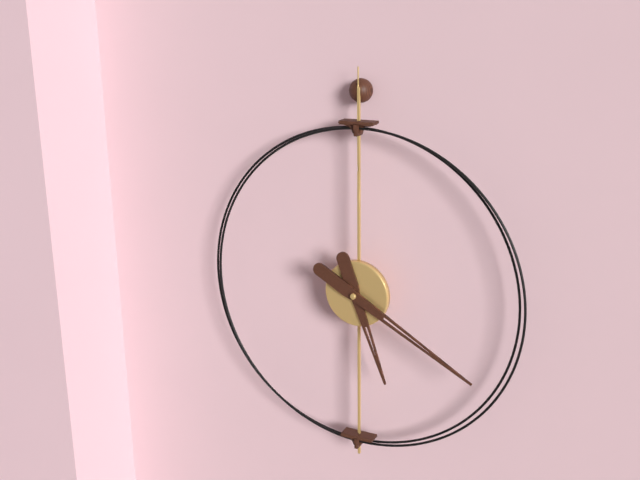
{"hour": 5, "minute": 20}
